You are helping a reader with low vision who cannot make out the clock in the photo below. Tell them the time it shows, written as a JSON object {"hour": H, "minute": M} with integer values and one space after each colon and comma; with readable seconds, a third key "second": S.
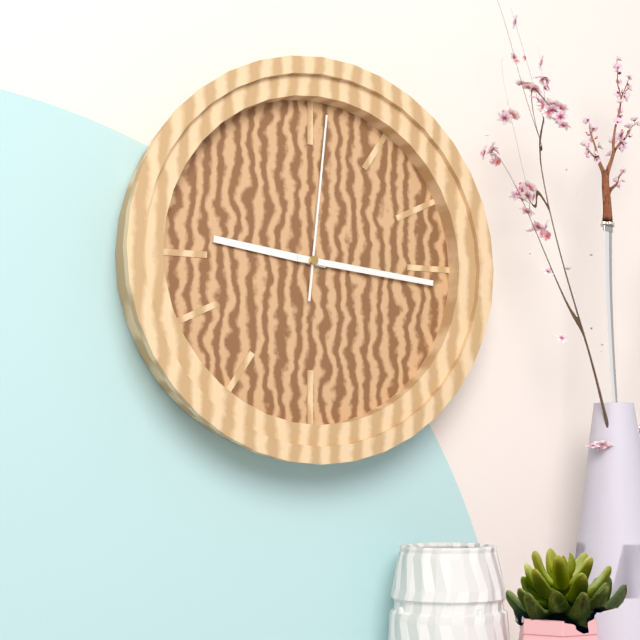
{"hour": 9, "minute": 16, "second": 1}
